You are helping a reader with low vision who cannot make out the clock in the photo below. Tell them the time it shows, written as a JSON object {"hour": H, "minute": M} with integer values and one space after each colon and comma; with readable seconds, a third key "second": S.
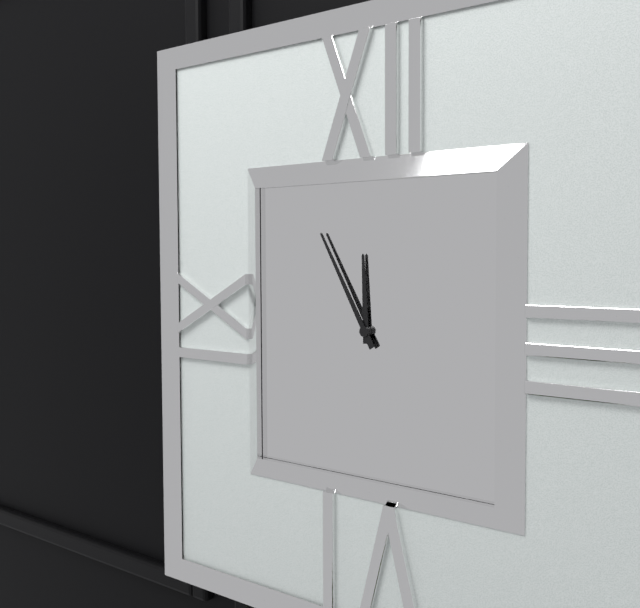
{"hour": 11, "minute": 55}
